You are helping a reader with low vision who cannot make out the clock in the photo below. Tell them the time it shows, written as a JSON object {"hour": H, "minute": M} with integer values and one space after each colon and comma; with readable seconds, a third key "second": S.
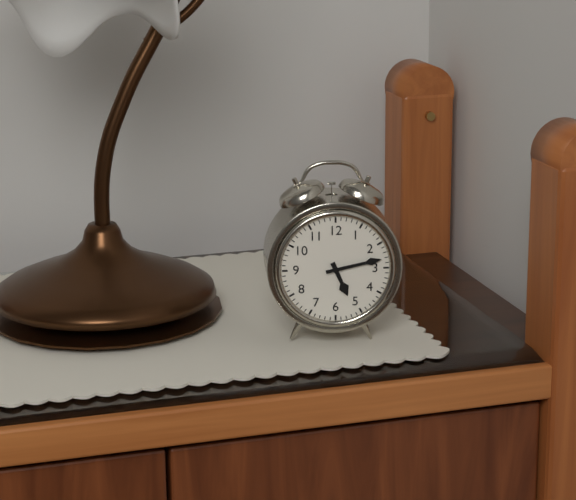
{"hour": 5, "minute": 13}
